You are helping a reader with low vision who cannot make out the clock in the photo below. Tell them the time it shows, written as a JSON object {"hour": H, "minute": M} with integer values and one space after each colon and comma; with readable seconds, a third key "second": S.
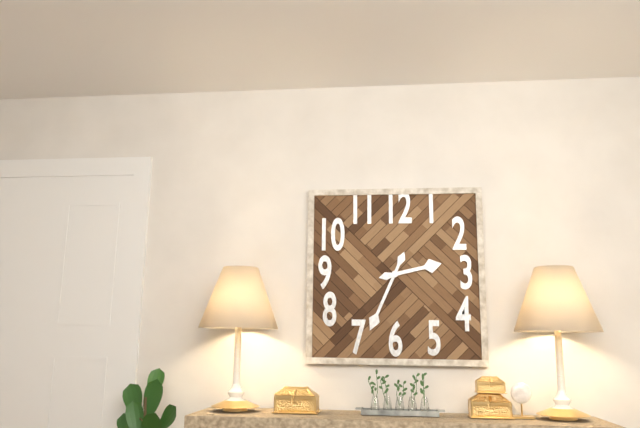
{"hour": 2, "minute": 34}
